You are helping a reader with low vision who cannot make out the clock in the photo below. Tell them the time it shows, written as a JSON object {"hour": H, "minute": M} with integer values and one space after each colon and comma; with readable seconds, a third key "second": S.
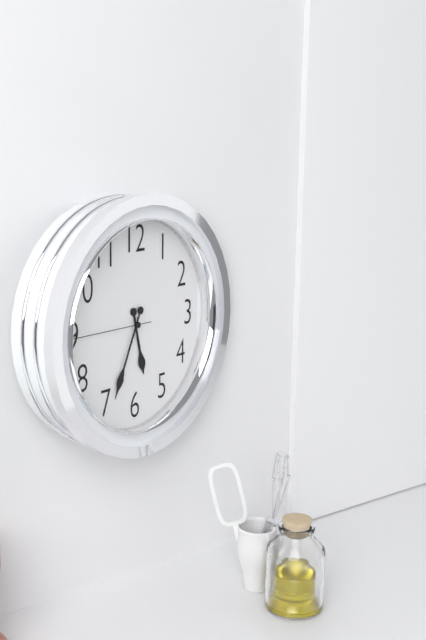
{"hour": 5, "minute": 34, "second": 45}
